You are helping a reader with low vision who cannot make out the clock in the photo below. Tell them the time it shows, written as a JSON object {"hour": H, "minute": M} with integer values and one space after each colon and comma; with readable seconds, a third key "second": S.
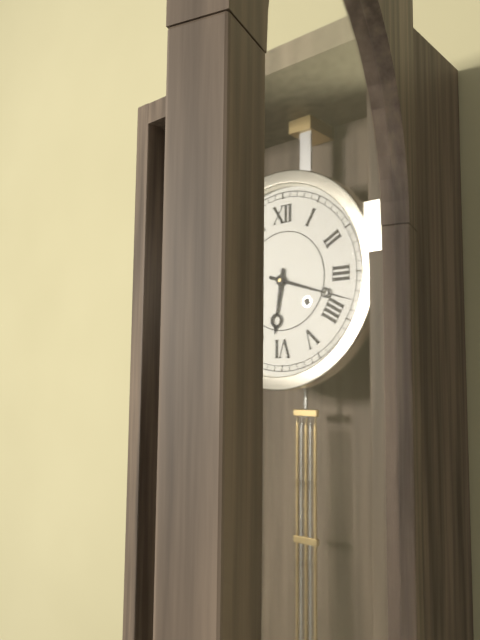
{"hour": 6, "minute": 18}
